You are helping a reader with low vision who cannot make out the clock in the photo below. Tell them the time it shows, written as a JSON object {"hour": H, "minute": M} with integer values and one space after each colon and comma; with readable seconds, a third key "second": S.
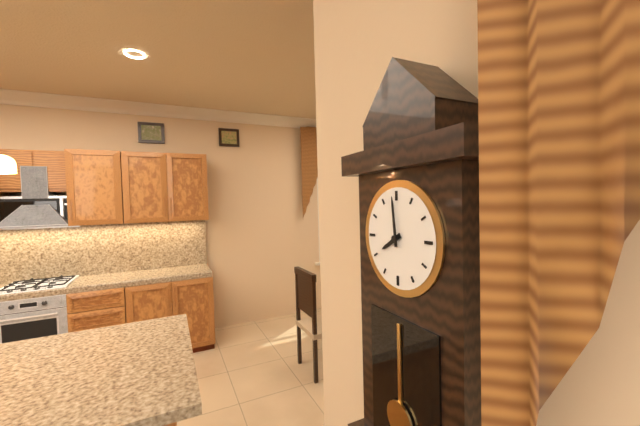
{"hour": 7, "minute": 59}
